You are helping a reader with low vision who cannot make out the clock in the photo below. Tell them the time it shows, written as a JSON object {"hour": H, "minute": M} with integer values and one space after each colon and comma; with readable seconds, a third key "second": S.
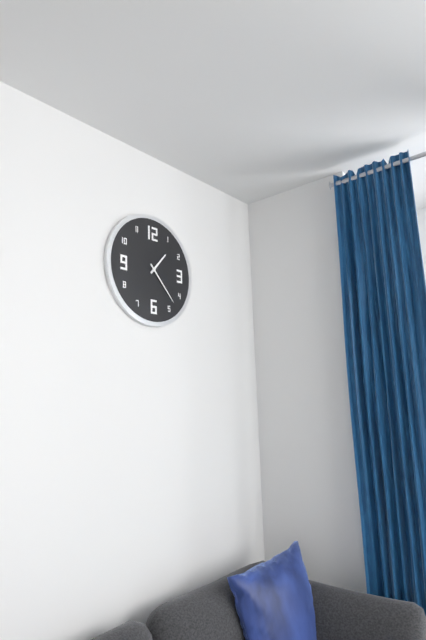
{"hour": 1, "minute": 23}
